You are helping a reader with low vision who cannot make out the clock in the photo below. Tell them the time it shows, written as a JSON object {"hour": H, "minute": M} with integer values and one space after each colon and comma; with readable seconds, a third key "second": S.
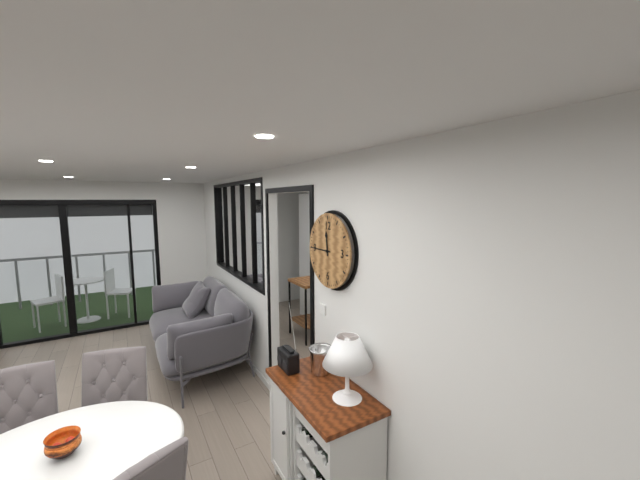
{"hour": 11, "minute": 45}
